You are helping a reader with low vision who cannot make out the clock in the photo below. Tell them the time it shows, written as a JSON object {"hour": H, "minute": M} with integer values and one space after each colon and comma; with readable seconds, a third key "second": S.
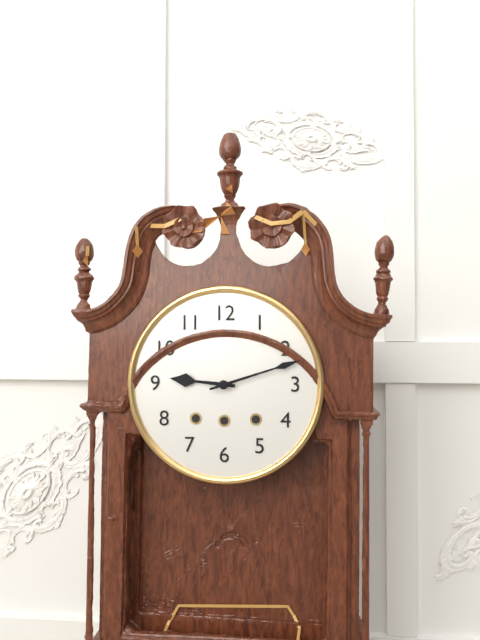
{"hour": 9, "minute": 12}
